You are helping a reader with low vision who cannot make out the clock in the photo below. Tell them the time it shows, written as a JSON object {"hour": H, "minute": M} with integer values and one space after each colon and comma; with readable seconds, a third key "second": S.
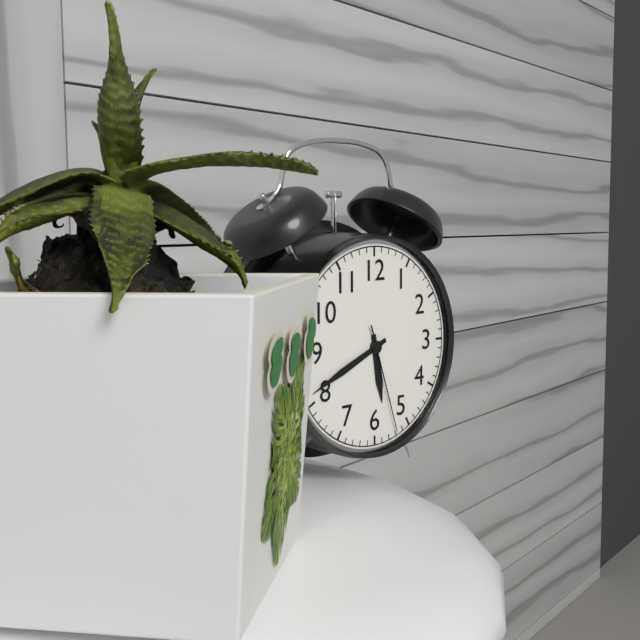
{"hour": 5, "minute": 41, "second": 27}
